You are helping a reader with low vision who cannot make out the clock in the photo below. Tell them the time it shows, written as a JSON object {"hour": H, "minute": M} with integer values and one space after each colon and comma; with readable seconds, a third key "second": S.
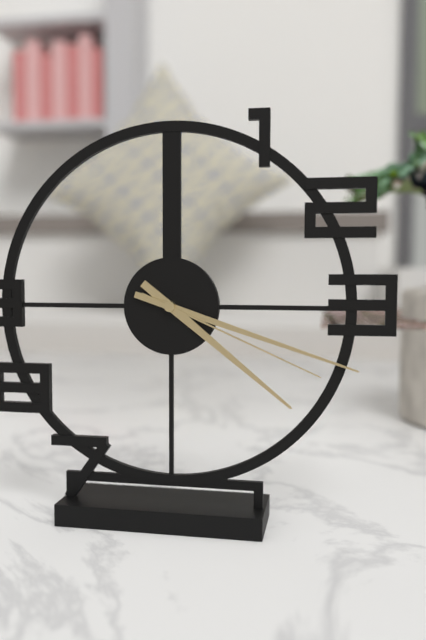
{"hour": 4, "minute": 18, "second": 19}
